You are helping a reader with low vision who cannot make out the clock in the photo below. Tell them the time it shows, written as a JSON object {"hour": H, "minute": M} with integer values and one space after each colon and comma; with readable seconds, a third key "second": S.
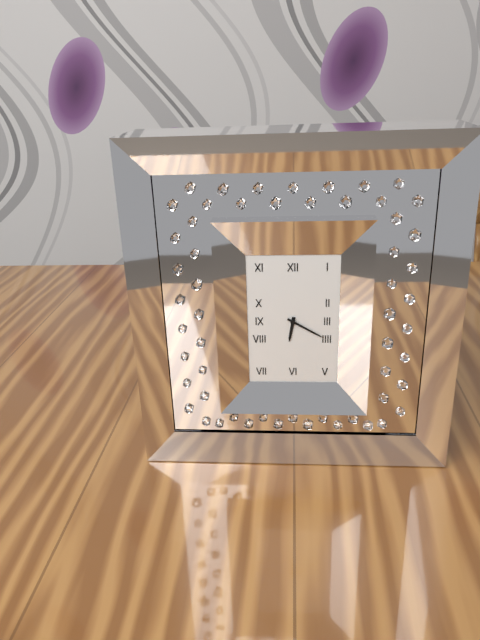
{"hour": 6, "minute": 20}
